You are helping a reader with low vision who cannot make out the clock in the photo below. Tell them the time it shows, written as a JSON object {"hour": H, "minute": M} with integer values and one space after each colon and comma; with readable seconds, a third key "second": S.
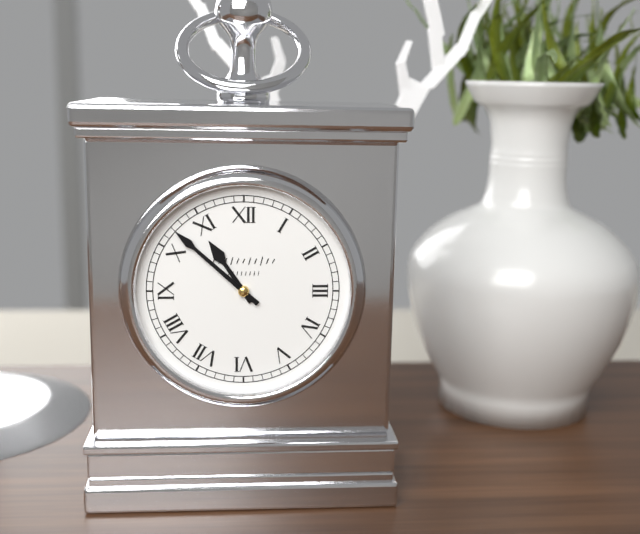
{"hour": 10, "minute": 52}
